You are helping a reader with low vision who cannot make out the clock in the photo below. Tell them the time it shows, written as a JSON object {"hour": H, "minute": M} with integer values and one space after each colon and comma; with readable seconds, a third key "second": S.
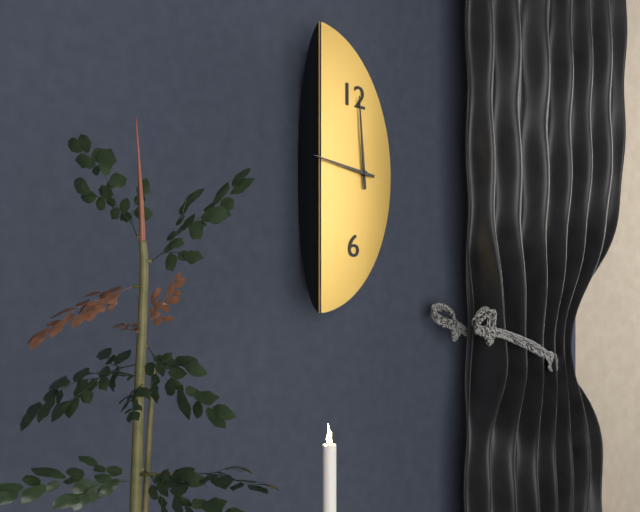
{"hour": 11, "minute": 46}
